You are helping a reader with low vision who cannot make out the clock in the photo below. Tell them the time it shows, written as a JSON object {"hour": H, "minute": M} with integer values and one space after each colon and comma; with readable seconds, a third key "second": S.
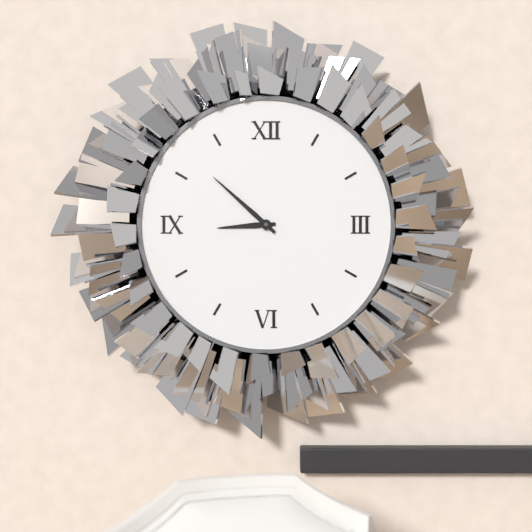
{"hour": 8, "minute": 52}
